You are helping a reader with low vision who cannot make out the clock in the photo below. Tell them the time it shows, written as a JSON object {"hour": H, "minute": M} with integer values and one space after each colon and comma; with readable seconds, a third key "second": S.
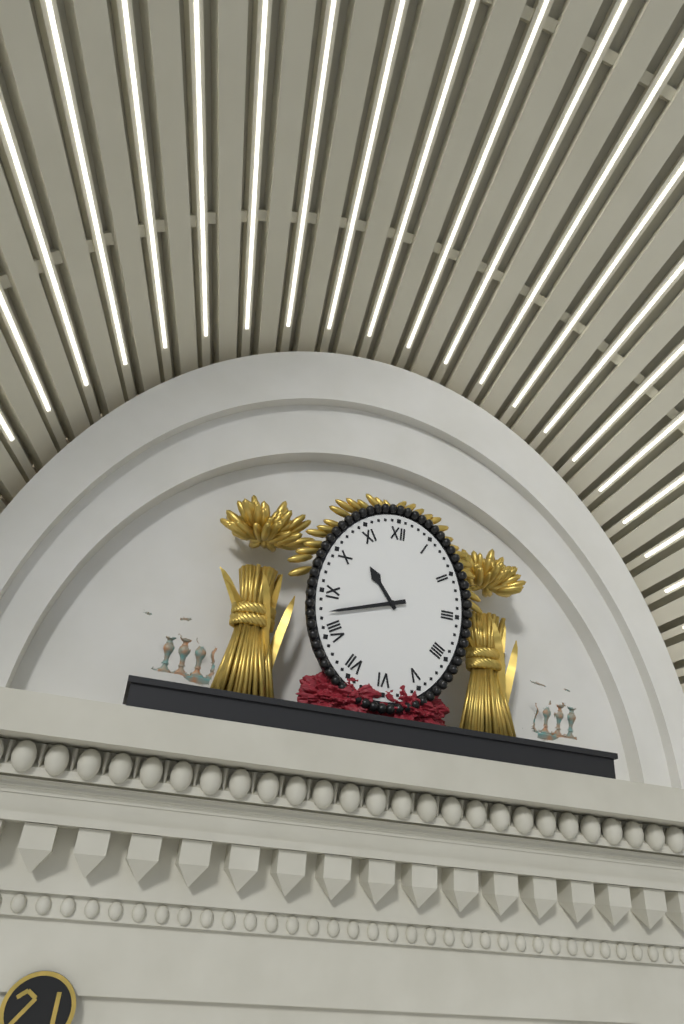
{"hour": 10, "minute": 42}
